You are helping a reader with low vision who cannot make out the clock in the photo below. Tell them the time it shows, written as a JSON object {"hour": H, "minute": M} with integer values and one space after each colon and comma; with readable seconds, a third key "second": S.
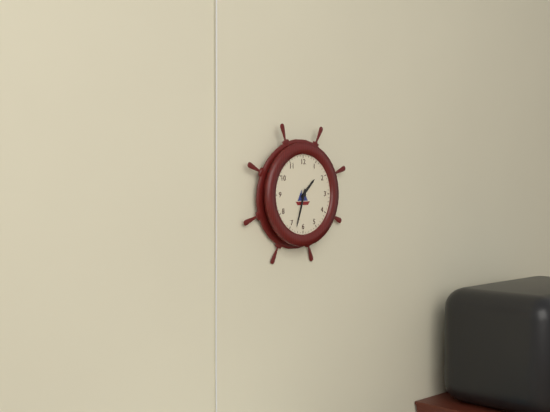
{"hour": 1, "minute": 33}
